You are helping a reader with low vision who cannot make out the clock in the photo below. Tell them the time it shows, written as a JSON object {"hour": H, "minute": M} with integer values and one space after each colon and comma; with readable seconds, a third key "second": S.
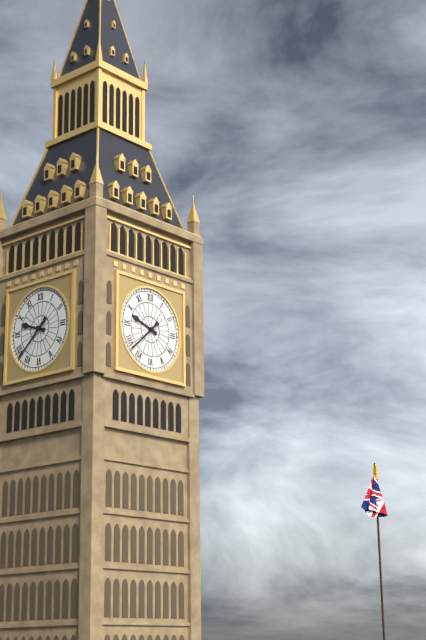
{"hour": 9, "minute": 38}
